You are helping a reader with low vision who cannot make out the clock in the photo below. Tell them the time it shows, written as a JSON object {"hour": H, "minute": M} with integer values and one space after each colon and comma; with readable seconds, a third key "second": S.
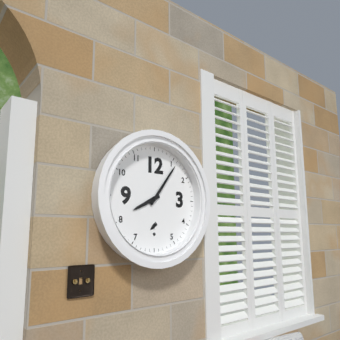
{"hour": 8, "minute": 6}
